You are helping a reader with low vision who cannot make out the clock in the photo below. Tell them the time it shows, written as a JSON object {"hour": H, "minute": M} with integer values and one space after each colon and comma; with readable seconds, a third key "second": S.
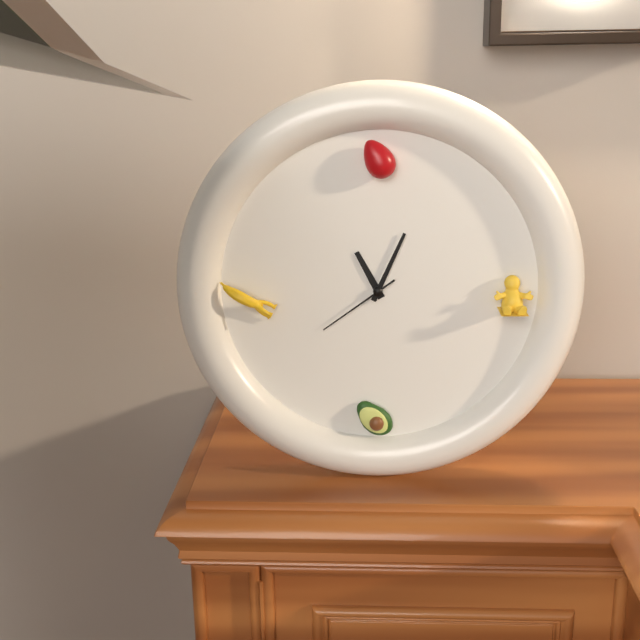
{"hour": 11, "minute": 4, "second": 39}
